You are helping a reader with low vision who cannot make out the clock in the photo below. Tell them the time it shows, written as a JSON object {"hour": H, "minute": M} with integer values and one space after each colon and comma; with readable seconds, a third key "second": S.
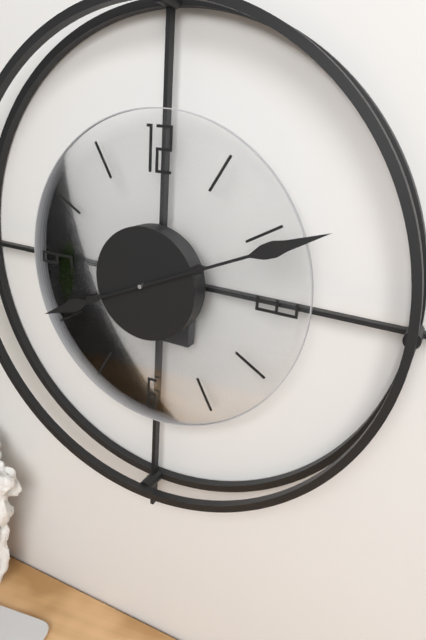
{"hour": 8, "minute": 11}
